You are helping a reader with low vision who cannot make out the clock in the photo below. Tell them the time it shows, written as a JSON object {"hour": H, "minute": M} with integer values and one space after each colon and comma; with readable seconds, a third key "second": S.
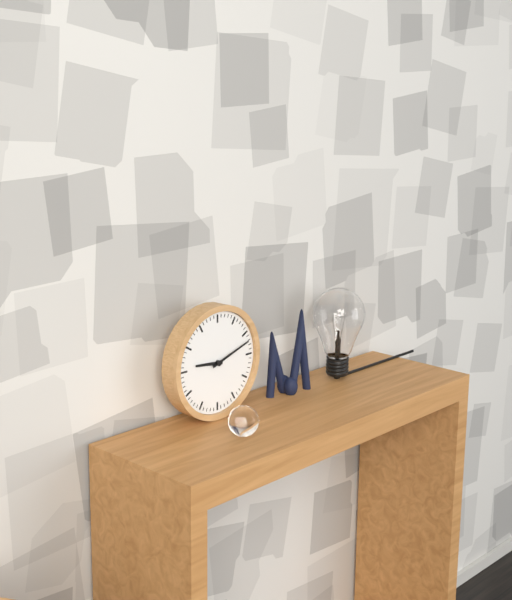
{"hour": 9, "minute": 12}
